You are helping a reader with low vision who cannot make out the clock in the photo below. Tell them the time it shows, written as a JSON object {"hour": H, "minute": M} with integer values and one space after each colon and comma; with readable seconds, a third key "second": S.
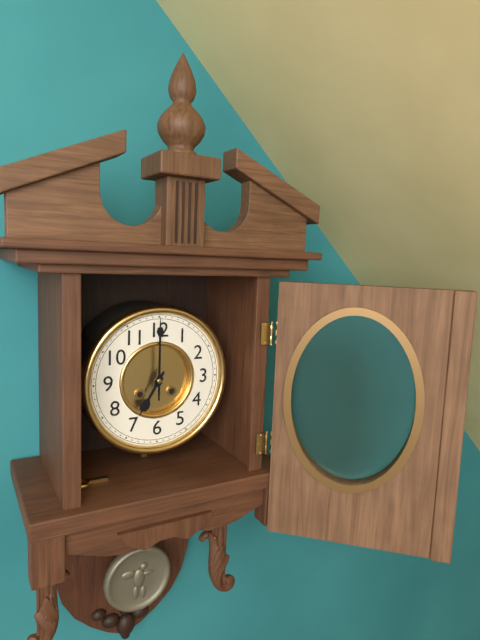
{"hour": 7, "minute": 0}
